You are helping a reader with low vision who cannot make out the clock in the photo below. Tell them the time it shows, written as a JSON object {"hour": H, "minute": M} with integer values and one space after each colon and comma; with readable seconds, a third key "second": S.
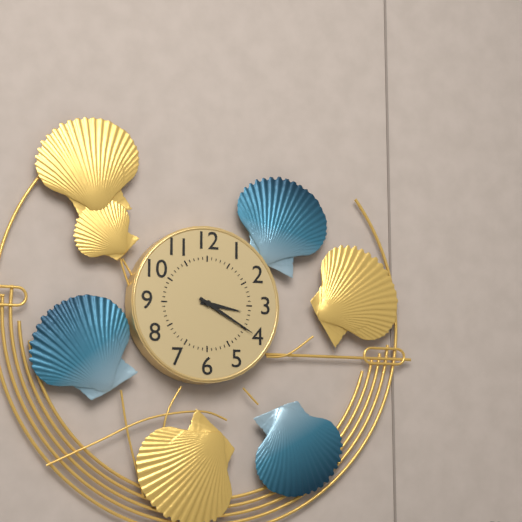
{"hour": 3, "minute": 20}
